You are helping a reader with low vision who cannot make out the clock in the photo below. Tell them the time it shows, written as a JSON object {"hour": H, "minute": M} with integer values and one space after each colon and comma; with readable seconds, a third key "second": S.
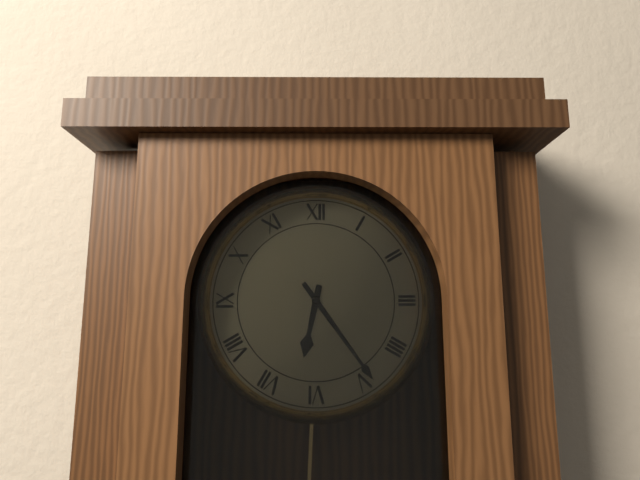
{"hour": 6, "minute": 24}
